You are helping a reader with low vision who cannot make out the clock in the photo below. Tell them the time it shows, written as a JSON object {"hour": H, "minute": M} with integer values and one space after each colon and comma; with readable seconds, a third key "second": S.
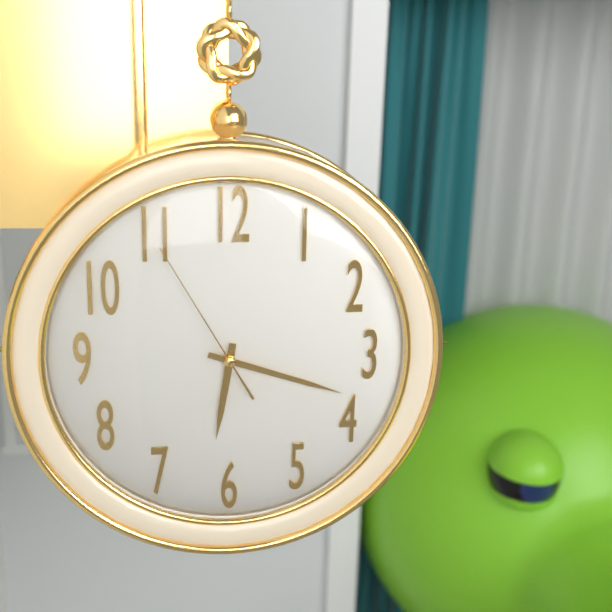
{"hour": 6, "minute": 18, "second": 55}
